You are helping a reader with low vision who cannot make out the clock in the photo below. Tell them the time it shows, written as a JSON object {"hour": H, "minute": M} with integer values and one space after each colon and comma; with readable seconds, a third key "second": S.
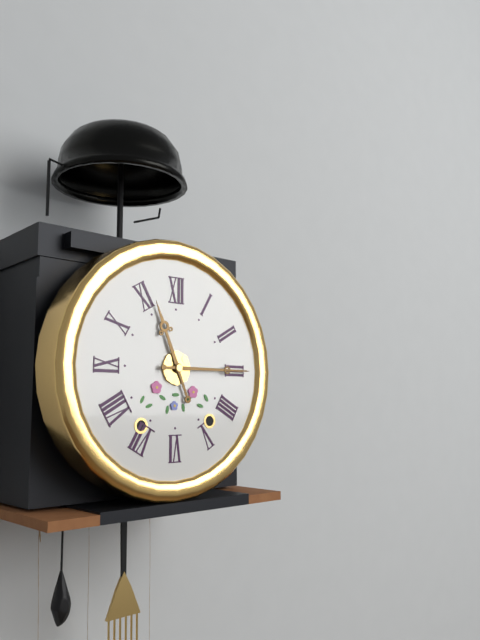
{"hour": 11, "minute": 15}
